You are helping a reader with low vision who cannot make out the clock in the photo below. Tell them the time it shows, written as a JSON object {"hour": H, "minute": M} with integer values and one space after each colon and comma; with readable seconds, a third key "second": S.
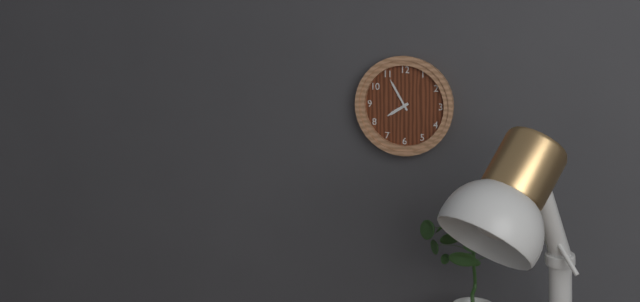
{"hour": 7, "minute": 55}
